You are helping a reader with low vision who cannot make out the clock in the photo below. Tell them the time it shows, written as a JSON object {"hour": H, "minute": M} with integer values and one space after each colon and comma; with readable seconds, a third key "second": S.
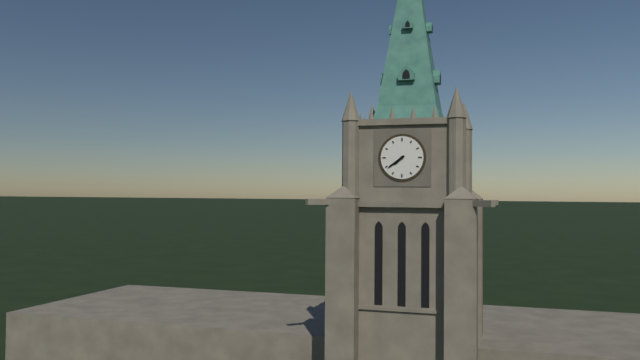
{"hour": 7, "minute": 39}
